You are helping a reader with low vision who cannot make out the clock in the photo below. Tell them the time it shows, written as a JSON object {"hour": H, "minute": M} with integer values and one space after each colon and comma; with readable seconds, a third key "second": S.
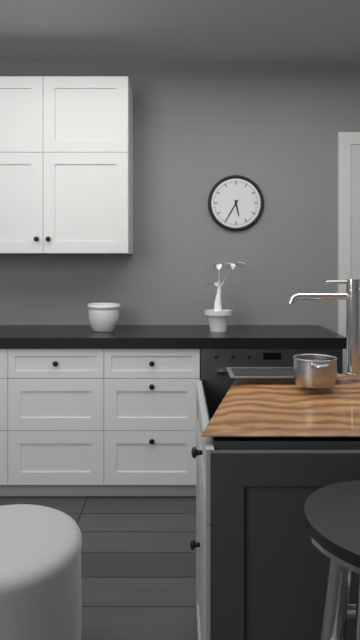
{"hour": 5, "minute": 35}
